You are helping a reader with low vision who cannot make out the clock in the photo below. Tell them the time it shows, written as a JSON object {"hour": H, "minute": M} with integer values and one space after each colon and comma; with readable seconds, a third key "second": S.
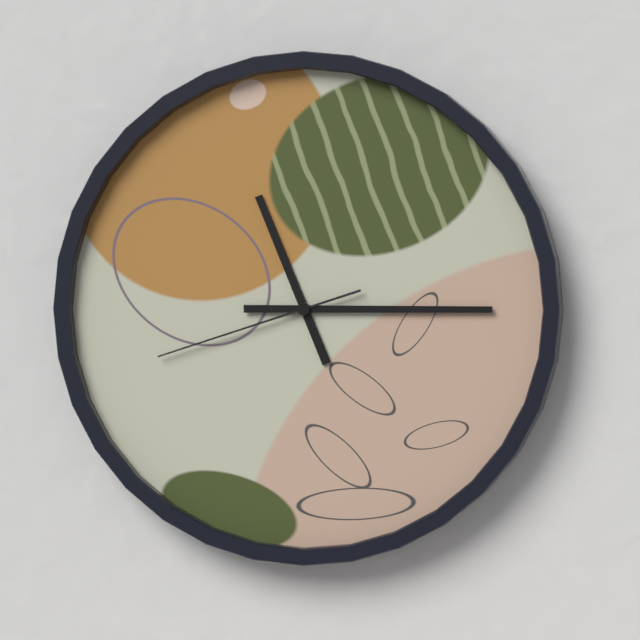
{"hour": 11, "minute": 15, "second": 42}
